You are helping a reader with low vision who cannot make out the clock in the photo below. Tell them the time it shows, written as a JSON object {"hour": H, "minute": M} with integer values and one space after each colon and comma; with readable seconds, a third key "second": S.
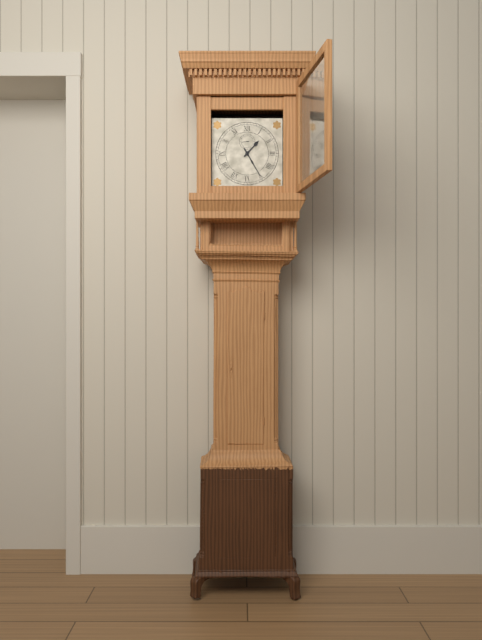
{"hour": 1, "minute": 25}
